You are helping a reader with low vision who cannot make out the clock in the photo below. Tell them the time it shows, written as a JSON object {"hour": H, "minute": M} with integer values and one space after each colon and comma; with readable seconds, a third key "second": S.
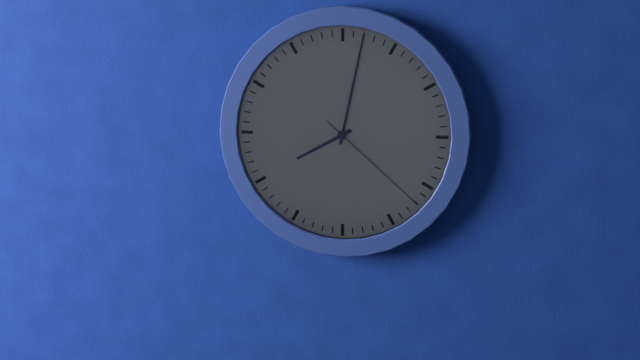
{"hour": 8, "minute": 2, "second": 22}
